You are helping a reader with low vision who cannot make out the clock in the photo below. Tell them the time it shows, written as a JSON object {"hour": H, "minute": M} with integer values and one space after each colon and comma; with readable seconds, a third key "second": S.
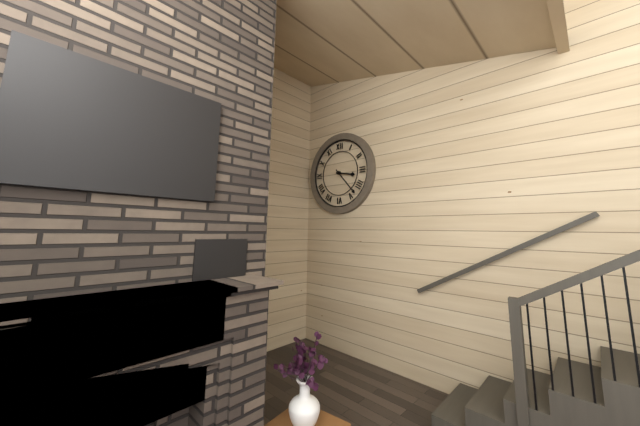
{"hour": 3, "minute": 23}
